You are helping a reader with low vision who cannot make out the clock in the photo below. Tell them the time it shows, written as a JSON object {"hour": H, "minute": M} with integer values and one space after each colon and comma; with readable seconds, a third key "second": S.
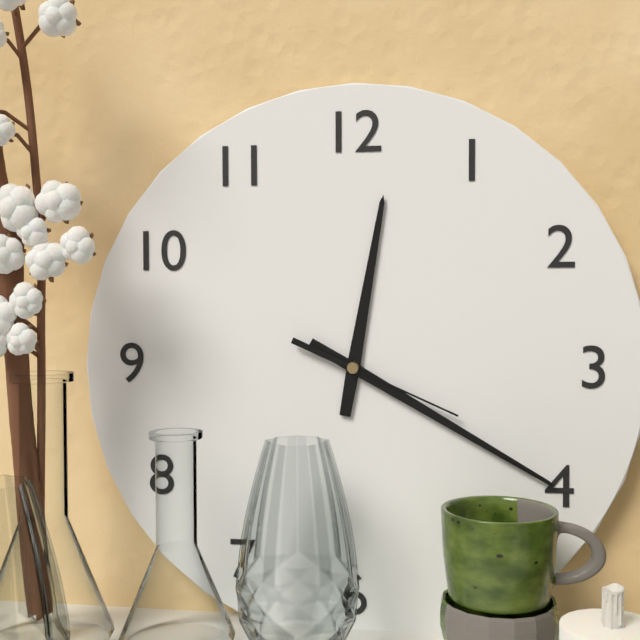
{"hour": 12, "minute": 20, "second": 19}
